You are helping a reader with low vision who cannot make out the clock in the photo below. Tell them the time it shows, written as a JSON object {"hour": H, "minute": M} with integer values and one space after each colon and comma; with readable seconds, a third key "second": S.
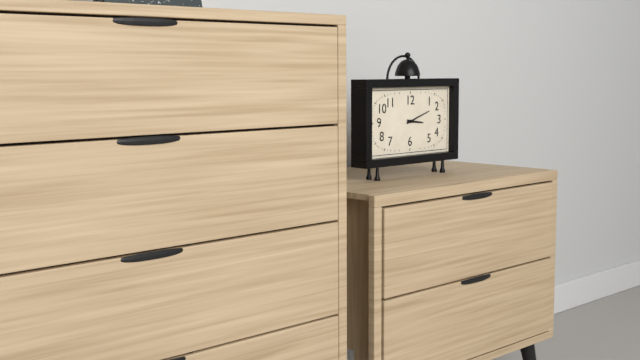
{"hour": 3, "minute": 12}
